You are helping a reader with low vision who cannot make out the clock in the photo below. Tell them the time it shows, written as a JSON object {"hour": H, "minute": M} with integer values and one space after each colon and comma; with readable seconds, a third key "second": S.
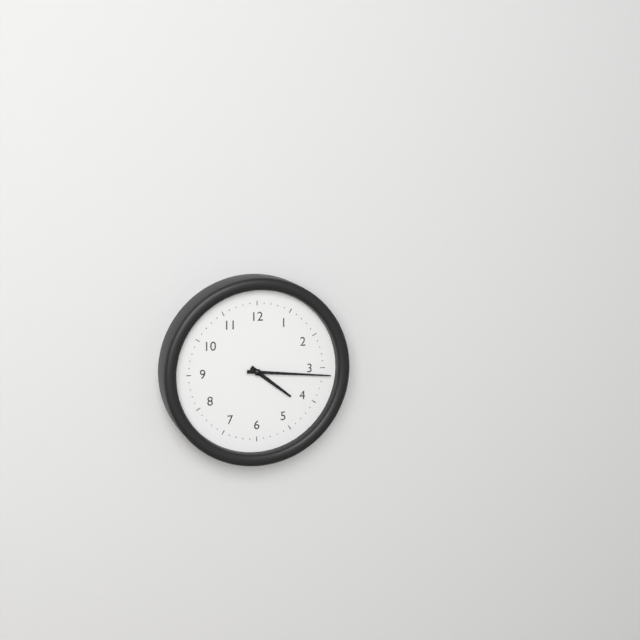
{"hour": 4, "minute": 16}
